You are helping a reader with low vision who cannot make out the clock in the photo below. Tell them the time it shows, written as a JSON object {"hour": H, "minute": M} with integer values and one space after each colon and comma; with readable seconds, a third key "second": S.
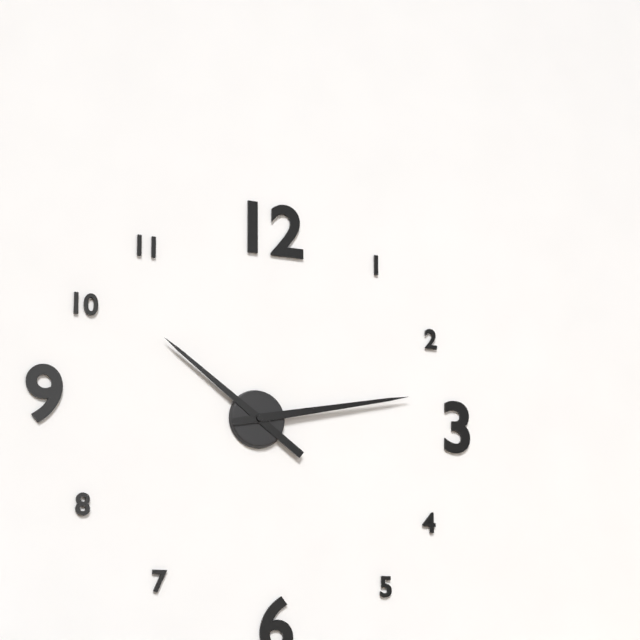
{"hour": 10, "minute": 13}
